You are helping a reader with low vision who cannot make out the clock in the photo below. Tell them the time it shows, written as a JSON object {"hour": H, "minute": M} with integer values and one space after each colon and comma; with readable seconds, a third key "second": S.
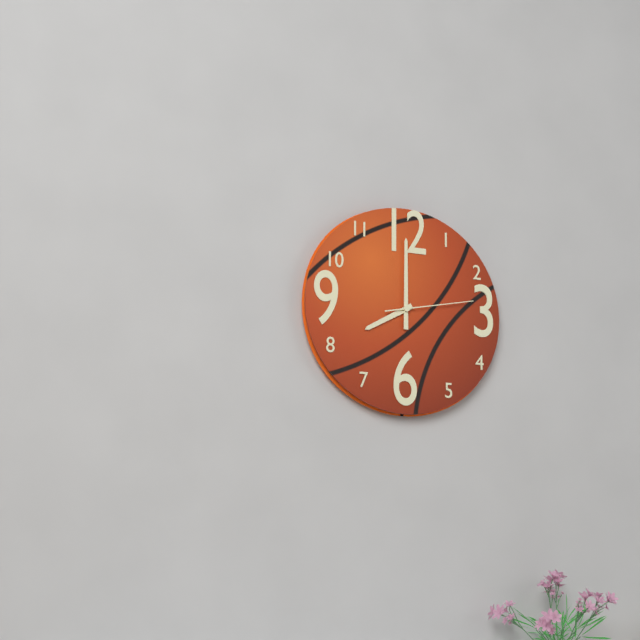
{"hour": 8, "minute": 0, "second": 13}
